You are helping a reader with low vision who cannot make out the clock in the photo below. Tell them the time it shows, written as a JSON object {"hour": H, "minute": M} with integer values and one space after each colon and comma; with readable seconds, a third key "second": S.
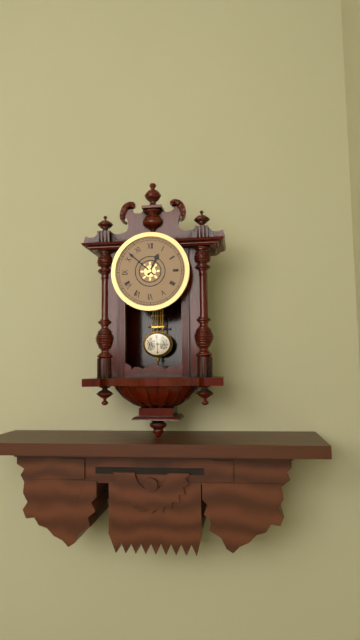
{"hour": 12, "minute": 52}
